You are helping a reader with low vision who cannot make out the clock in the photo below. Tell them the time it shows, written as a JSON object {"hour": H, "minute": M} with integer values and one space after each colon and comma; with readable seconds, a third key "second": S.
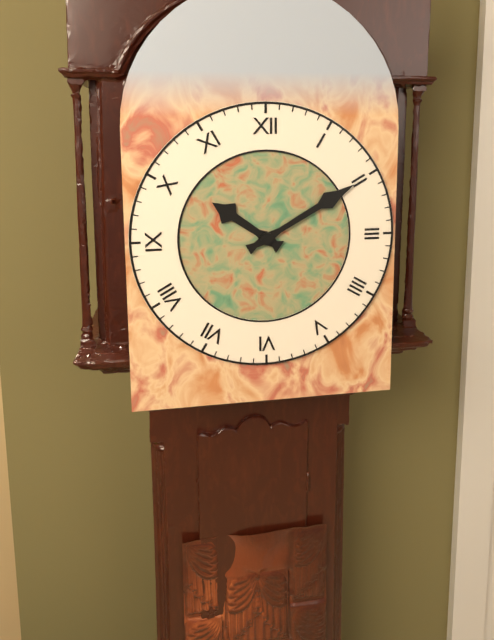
{"hour": 10, "minute": 10}
